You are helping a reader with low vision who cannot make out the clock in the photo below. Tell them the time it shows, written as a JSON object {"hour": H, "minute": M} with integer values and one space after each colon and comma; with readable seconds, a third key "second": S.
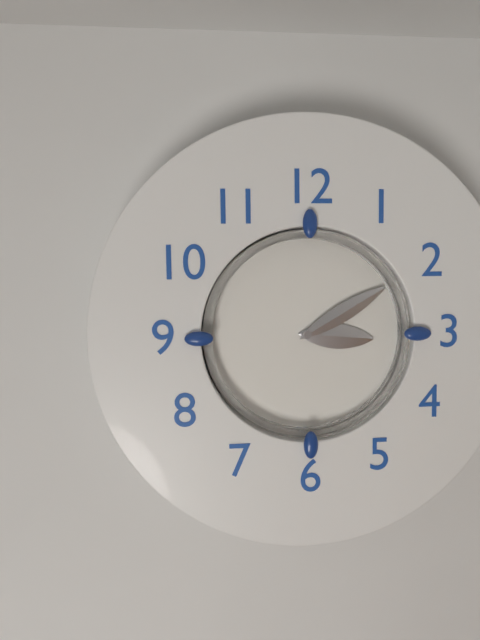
{"hour": 3, "minute": 10}
